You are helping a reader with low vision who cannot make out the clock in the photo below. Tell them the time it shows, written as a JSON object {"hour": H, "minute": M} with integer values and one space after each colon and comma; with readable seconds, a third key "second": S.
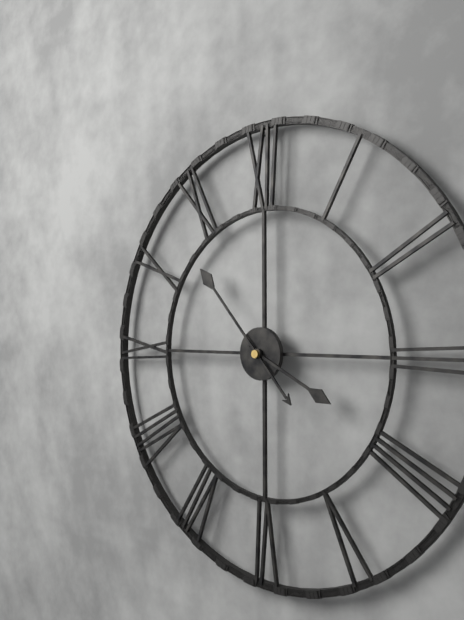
{"hour": 3, "minute": 53}
